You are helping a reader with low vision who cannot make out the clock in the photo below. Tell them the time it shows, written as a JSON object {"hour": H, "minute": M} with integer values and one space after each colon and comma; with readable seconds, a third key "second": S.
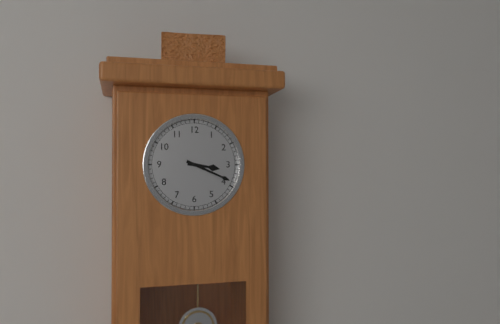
{"hour": 3, "minute": 19}
